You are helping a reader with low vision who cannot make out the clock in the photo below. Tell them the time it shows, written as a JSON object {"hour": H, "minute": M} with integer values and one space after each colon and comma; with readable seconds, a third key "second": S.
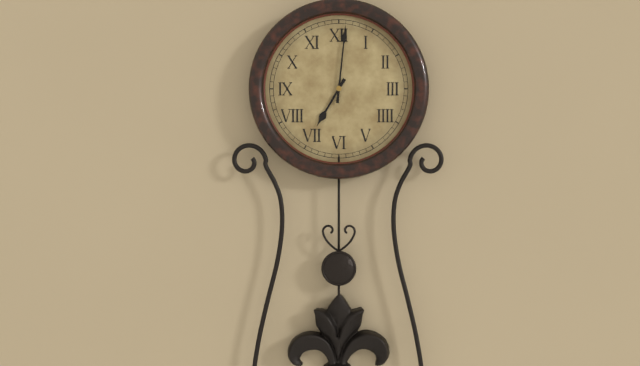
{"hour": 7, "minute": 1}
